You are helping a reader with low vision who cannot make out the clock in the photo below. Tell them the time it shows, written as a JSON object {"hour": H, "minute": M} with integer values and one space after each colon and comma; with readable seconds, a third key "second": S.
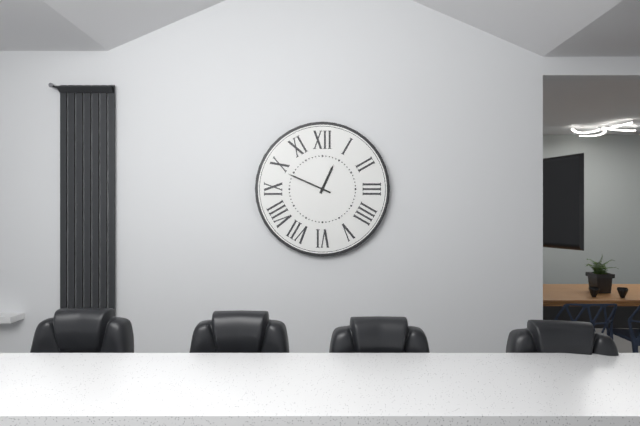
{"hour": 12, "minute": 49}
